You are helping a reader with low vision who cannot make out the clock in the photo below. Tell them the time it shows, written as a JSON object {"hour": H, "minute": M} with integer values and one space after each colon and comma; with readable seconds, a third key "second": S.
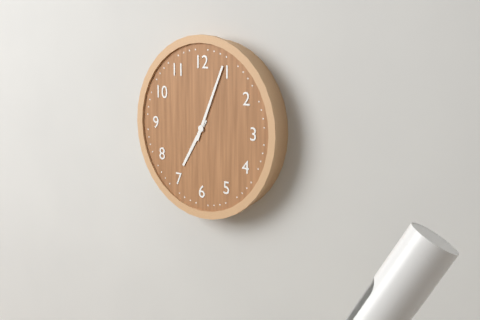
{"hour": 7, "minute": 4}
